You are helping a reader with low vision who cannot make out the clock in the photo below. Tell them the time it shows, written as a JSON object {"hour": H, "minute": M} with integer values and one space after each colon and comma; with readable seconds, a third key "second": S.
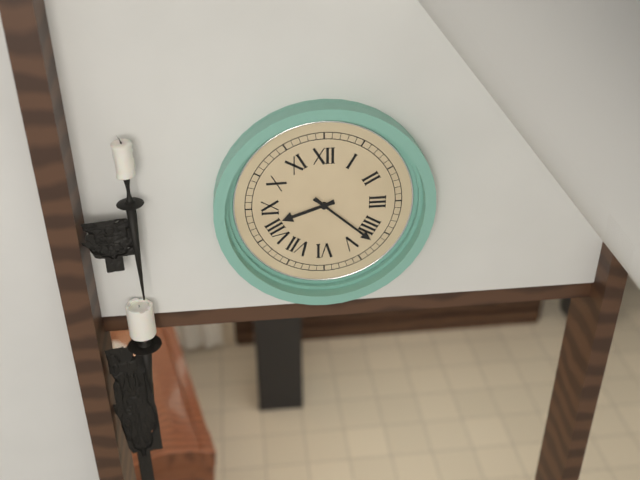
{"hour": 8, "minute": 22}
